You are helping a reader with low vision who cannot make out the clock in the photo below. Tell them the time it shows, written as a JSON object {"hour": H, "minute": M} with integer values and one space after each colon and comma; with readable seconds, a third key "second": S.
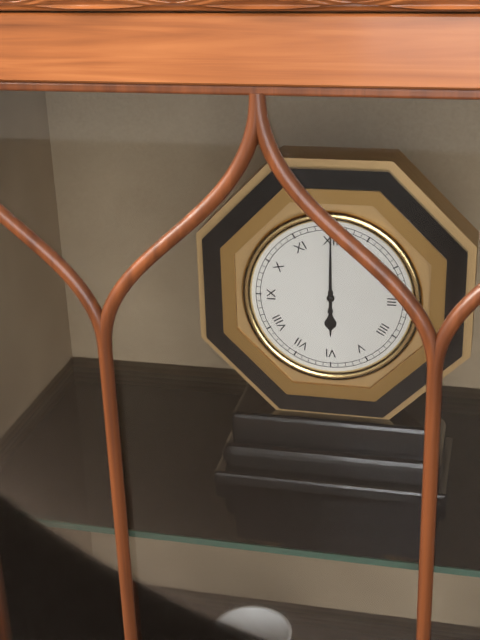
{"hour": 6, "minute": 0}
